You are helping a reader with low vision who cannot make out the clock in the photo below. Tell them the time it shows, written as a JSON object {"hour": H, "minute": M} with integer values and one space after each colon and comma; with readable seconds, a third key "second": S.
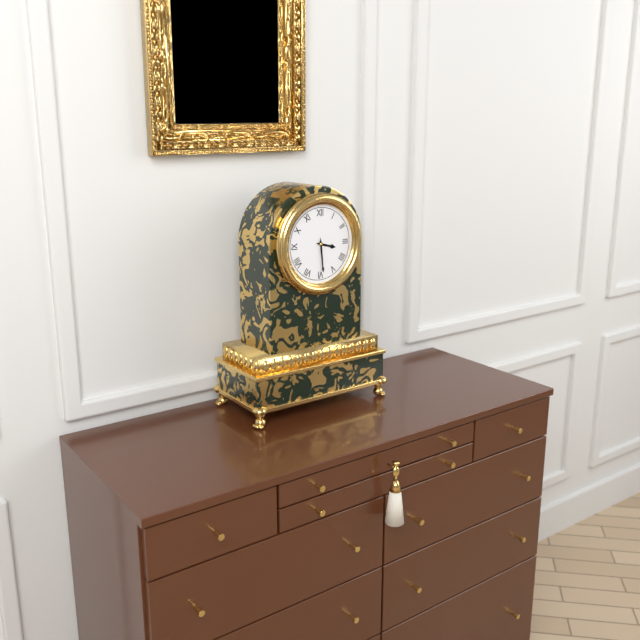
{"hour": 3, "minute": 29}
